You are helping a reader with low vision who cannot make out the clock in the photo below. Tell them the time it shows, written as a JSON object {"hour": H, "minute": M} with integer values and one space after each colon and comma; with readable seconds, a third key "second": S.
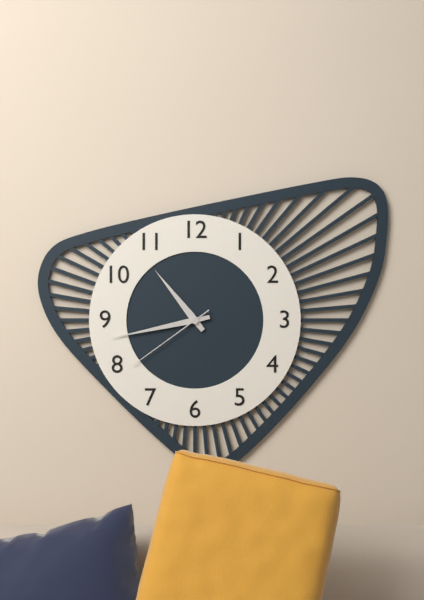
{"hour": 10, "minute": 43, "second": 39}
